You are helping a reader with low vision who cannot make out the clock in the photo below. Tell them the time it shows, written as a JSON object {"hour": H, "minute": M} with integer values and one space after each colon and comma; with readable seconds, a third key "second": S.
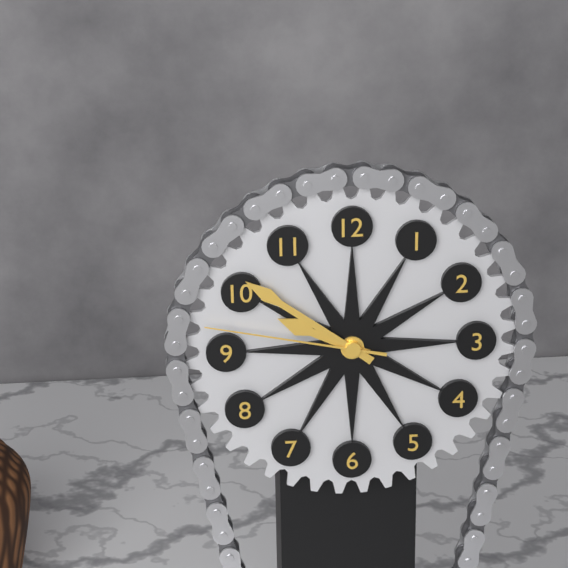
{"hour": 9, "minute": 51, "second": 47}
